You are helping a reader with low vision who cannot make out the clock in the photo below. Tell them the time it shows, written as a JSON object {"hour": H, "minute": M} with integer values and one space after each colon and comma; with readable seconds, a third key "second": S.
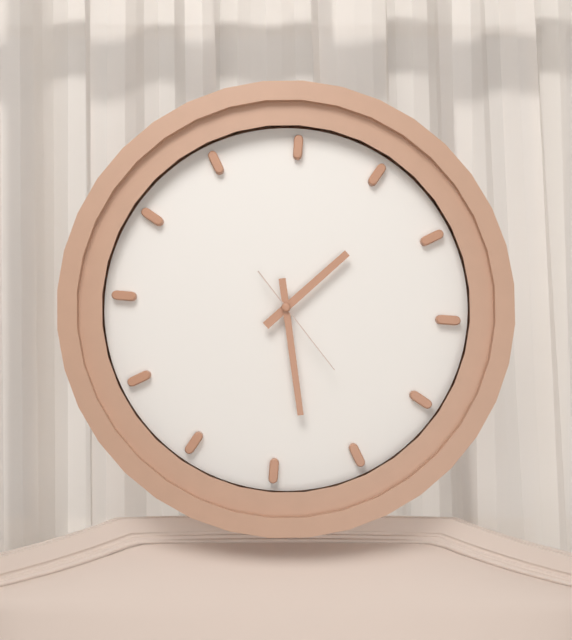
{"hour": 1, "minute": 28, "second": 23}
